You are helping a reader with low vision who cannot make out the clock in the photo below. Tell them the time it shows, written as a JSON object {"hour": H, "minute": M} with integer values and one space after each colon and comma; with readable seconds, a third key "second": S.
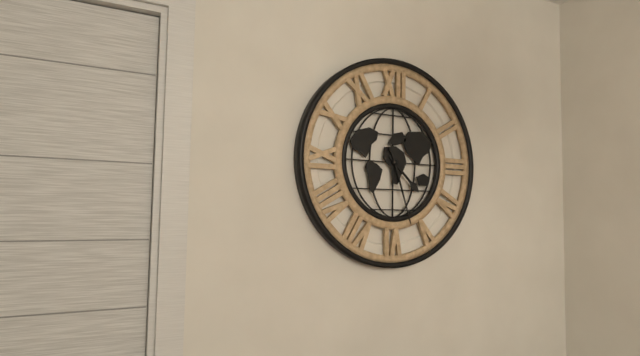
{"hour": 4, "minute": 27}
